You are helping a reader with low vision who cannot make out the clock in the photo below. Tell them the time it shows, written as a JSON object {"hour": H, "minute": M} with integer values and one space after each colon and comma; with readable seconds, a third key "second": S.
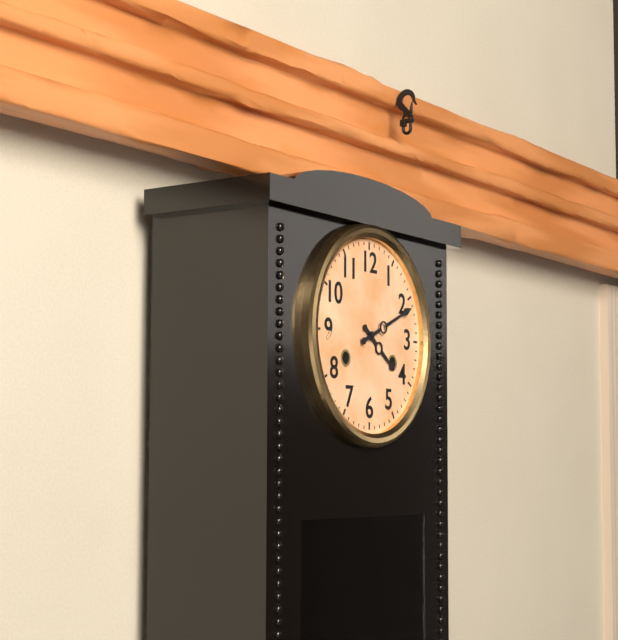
{"hour": 4, "minute": 11}
